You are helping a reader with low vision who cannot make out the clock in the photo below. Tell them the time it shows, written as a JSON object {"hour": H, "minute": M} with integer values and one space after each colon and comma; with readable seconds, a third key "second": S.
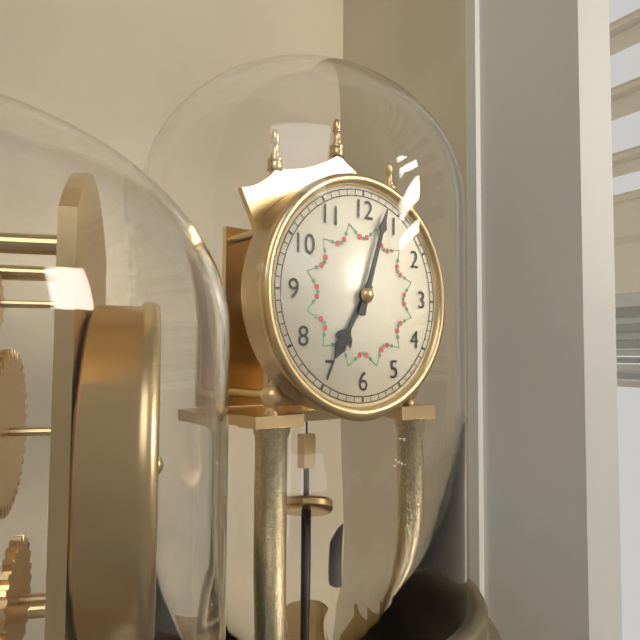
{"hour": 7, "minute": 3}
